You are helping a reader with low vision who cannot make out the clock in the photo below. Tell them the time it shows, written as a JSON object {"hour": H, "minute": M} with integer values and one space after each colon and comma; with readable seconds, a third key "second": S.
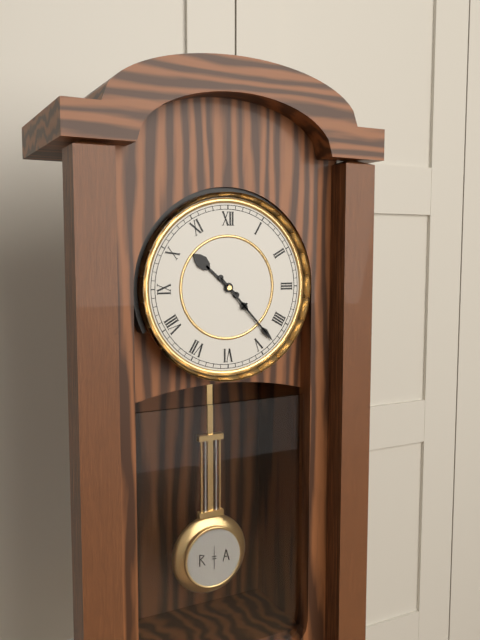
{"hour": 10, "minute": 23}
